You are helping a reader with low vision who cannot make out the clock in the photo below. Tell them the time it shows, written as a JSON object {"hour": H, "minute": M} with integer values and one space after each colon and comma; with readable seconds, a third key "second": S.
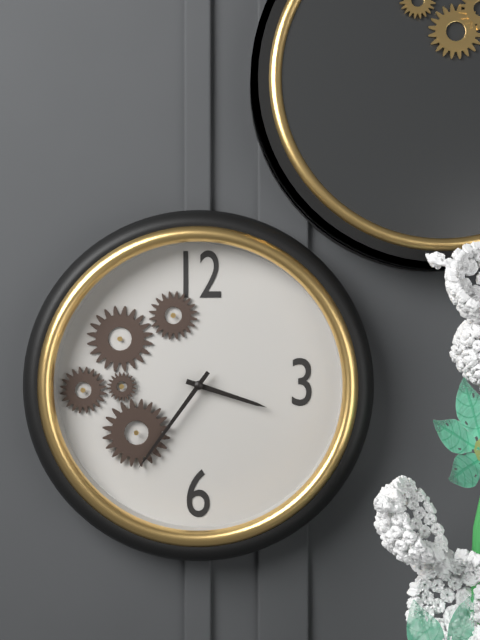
{"hour": 3, "minute": 36}
